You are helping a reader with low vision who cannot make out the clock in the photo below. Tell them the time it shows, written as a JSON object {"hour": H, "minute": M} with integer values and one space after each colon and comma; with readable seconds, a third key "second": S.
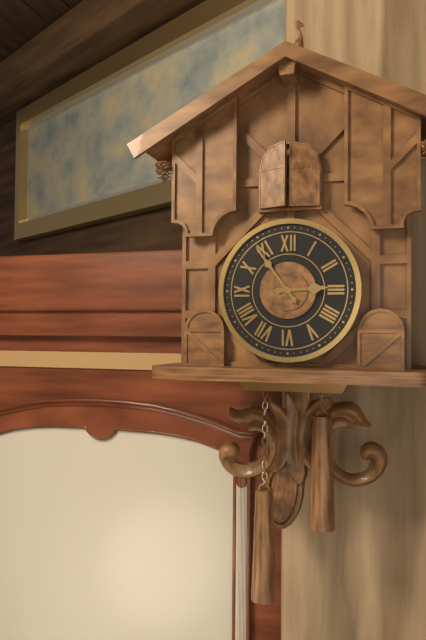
{"hour": 2, "minute": 54}
